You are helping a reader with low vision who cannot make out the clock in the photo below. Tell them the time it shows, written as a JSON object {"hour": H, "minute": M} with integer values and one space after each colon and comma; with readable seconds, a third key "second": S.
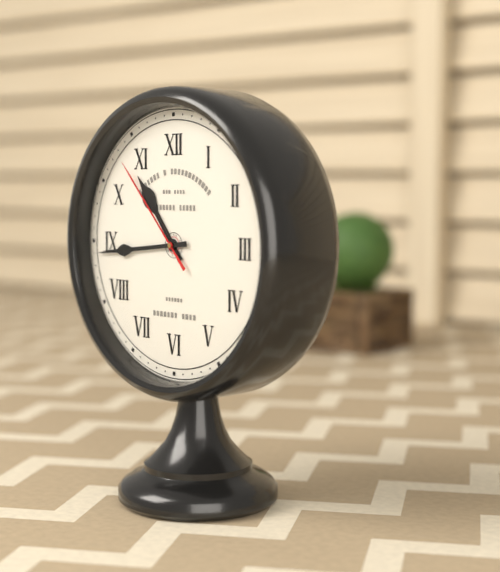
{"hour": 10, "minute": 44, "second": 53}
